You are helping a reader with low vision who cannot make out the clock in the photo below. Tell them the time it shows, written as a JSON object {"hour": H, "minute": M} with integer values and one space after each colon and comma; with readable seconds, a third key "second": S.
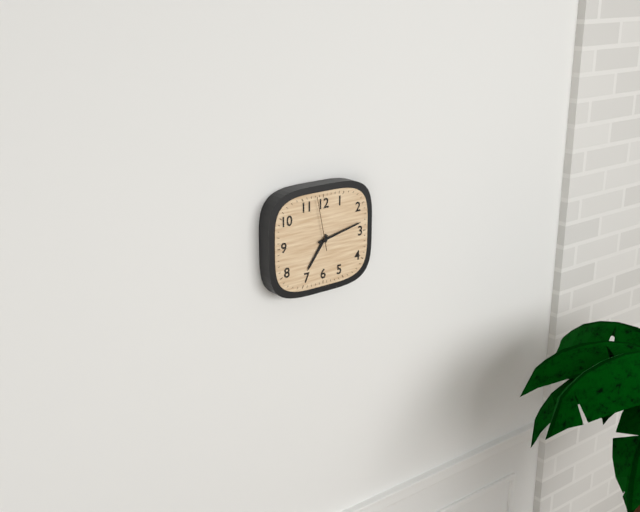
{"hour": 7, "minute": 13}
